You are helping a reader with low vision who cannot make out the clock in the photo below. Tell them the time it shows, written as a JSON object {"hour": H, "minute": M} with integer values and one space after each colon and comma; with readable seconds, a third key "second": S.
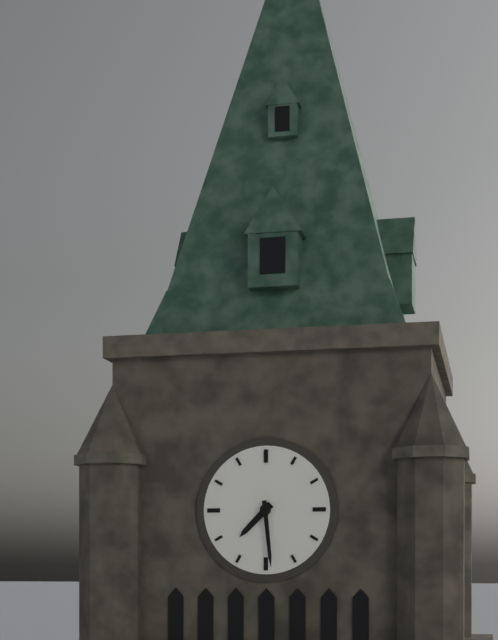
{"hour": 7, "minute": 29}
